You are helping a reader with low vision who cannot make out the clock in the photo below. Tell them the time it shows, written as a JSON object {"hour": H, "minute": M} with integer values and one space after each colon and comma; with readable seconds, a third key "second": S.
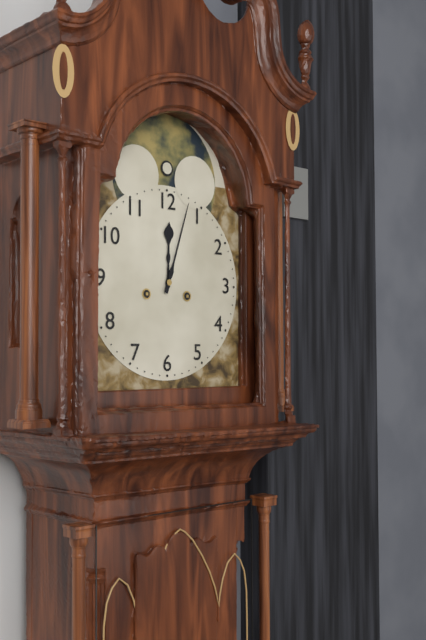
{"hour": 12, "minute": 3}
